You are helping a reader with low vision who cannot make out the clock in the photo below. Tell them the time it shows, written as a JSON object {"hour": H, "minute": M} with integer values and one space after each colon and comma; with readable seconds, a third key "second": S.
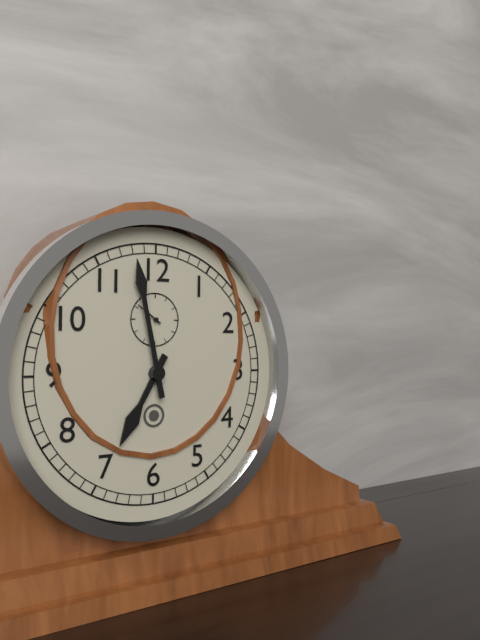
{"hour": 6, "minute": 58}
